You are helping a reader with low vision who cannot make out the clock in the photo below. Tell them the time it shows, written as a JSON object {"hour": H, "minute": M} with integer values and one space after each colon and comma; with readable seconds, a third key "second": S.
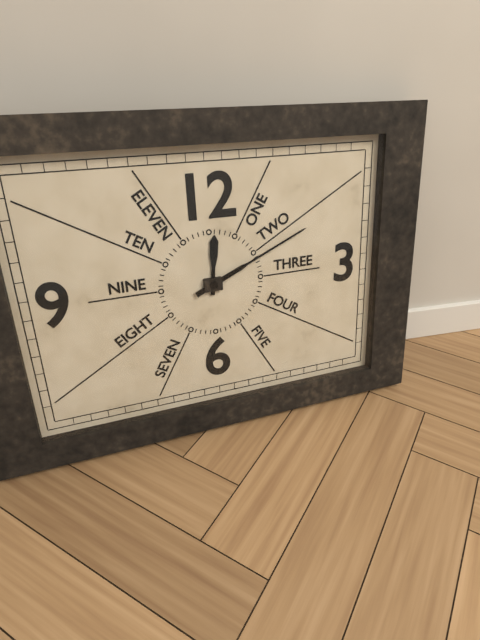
{"hour": 12, "minute": 11}
